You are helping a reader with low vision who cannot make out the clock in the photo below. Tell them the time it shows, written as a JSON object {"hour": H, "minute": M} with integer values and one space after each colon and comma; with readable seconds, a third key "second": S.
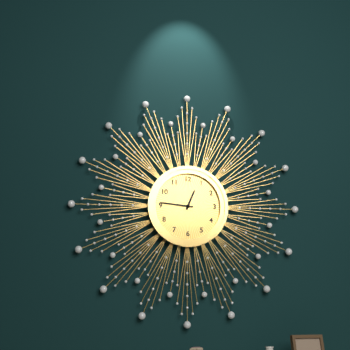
{"hour": 12, "minute": 46}
